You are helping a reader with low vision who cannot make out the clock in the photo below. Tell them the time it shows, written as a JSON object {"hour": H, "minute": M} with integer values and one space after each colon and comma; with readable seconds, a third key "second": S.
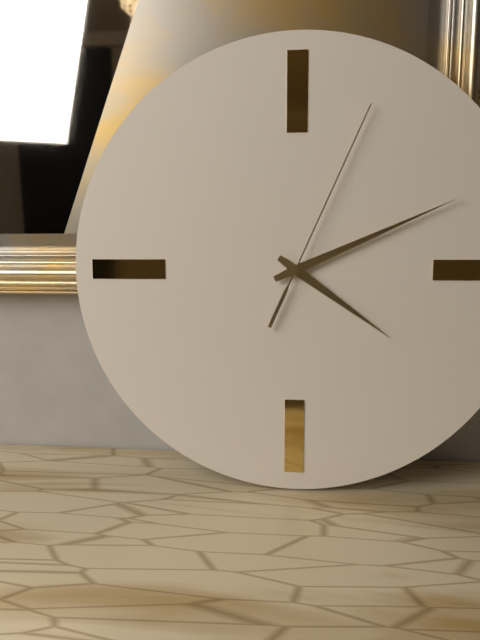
{"hour": 4, "minute": 11, "second": 4}
